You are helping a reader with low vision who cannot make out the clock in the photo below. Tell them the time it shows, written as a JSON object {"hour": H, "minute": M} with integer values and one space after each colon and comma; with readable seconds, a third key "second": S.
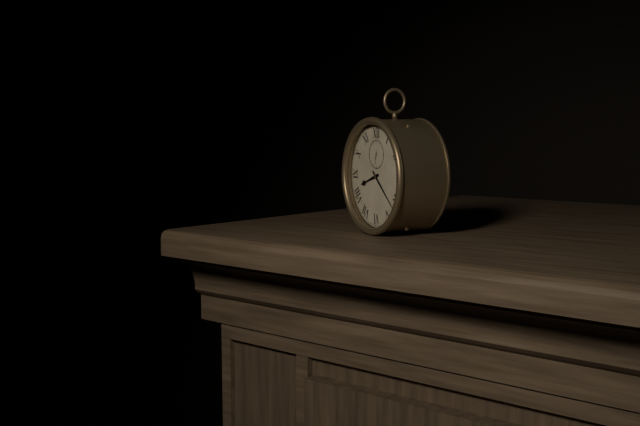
{"hour": 8, "minute": 22}
